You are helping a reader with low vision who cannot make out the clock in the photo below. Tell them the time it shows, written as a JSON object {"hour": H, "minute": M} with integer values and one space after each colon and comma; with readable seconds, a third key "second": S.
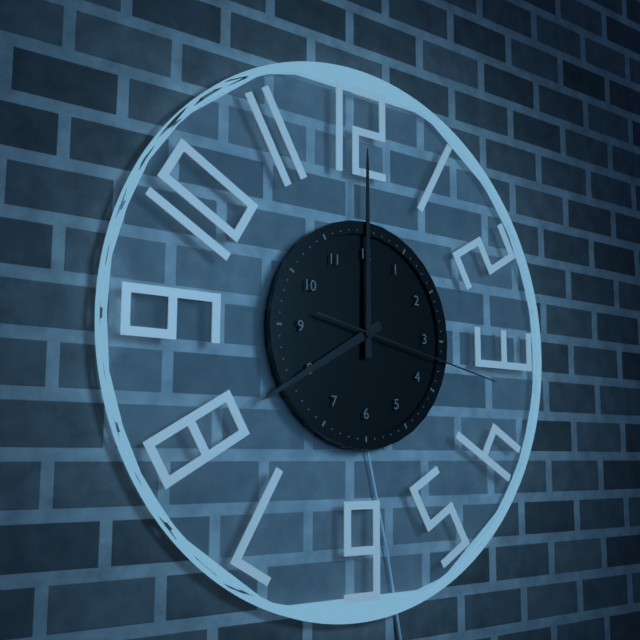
{"hour": 8, "minute": 0, "second": 17}
